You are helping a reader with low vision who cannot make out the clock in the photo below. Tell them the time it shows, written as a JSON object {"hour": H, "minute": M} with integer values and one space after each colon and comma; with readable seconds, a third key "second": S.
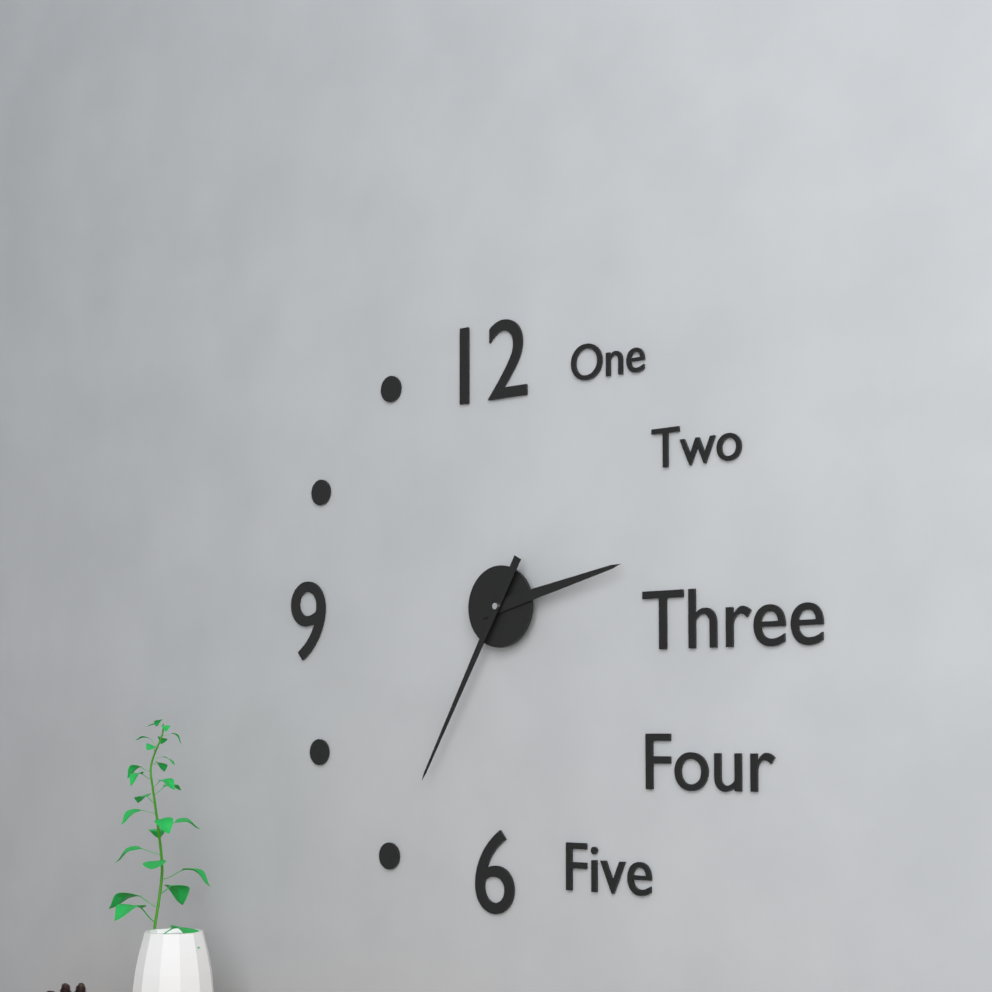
{"hour": 2, "minute": 35}
